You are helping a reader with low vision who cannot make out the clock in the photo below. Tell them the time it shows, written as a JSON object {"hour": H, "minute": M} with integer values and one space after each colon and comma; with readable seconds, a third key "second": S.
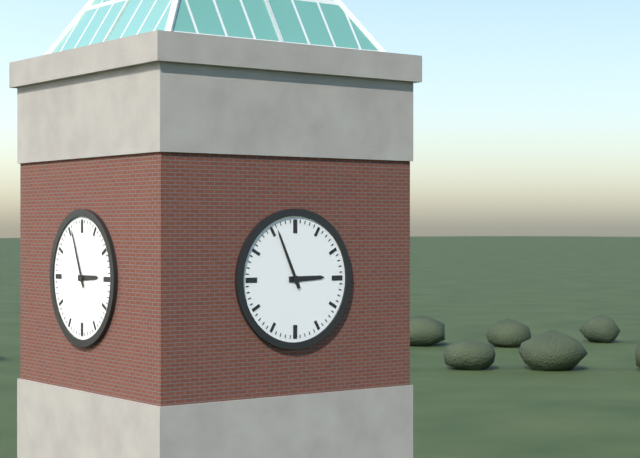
{"hour": 2, "minute": 56}
